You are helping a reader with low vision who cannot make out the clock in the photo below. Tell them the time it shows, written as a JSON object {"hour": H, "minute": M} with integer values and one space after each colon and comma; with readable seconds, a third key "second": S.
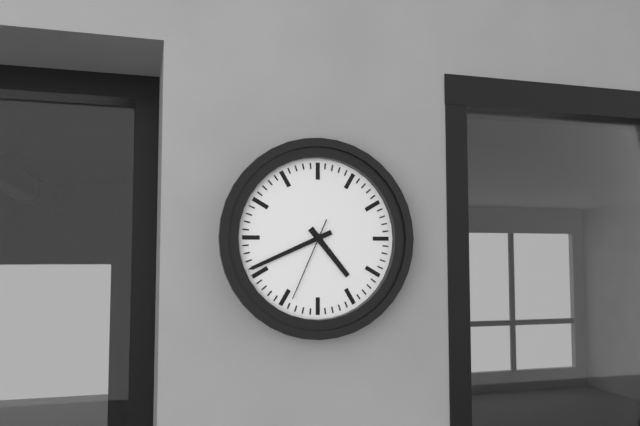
{"hour": 4, "minute": 41, "second": 34}
